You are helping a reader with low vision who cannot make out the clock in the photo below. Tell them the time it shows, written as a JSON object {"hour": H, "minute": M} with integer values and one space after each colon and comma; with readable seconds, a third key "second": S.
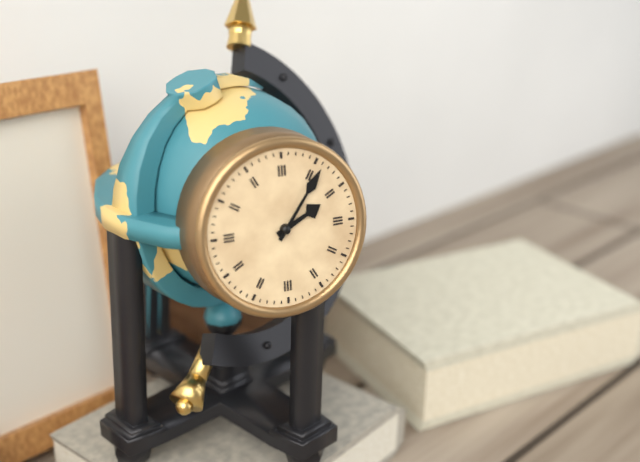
{"hour": 2, "minute": 6}
